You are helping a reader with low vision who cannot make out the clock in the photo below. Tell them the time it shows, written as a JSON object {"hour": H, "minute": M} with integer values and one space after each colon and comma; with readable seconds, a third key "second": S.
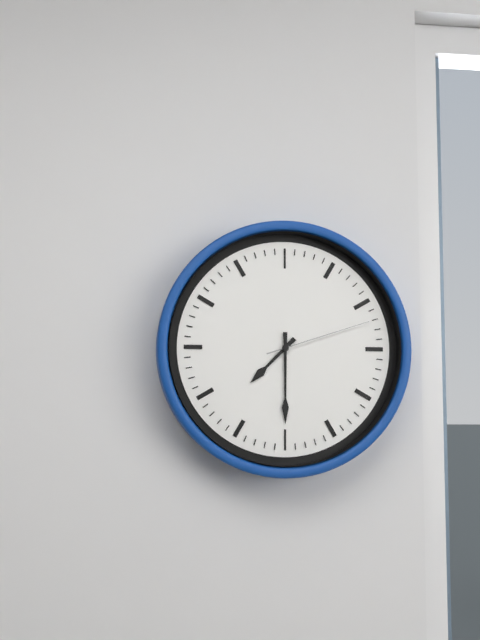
{"hour": 7, "minute": 30, "second": 12}
